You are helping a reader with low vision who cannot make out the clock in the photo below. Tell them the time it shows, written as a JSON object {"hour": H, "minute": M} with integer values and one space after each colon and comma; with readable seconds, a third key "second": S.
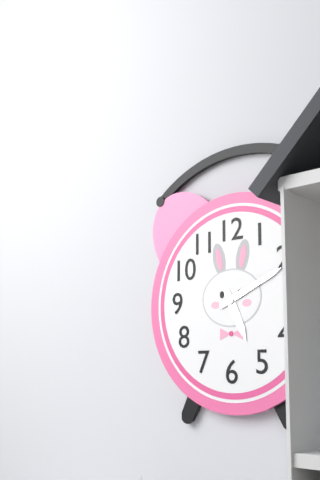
{"hour": 5, "minute": 11}
